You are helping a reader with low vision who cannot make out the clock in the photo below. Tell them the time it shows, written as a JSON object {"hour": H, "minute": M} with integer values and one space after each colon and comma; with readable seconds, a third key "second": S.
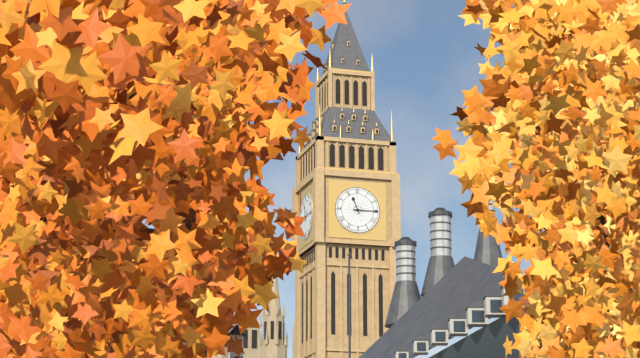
{"hour": 11, "minute": 15}
